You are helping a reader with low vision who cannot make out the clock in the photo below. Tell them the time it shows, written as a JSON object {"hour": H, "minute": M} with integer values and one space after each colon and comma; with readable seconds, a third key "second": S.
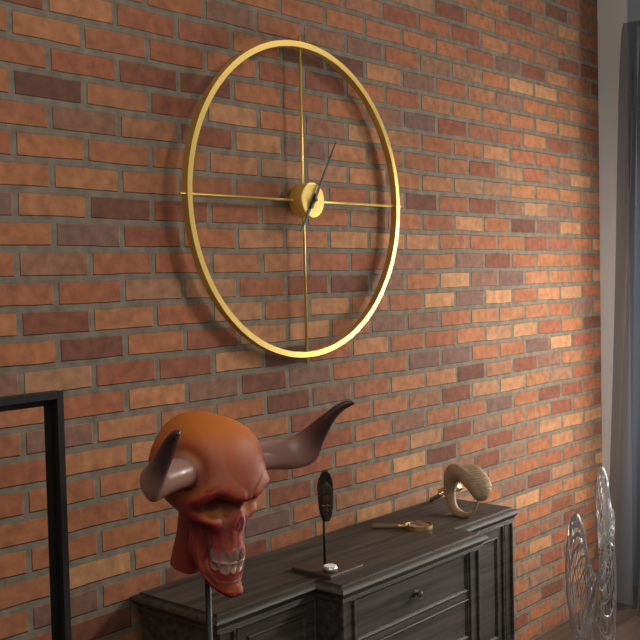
{"hour": 7, "minute": 5}
